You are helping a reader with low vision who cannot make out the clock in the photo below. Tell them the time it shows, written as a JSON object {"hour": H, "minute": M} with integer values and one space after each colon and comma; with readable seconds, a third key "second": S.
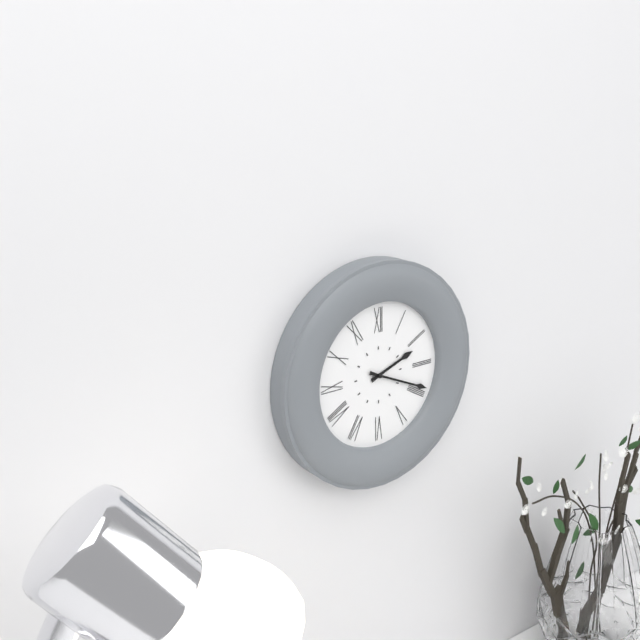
{"hour": 2, "minute": 19}
